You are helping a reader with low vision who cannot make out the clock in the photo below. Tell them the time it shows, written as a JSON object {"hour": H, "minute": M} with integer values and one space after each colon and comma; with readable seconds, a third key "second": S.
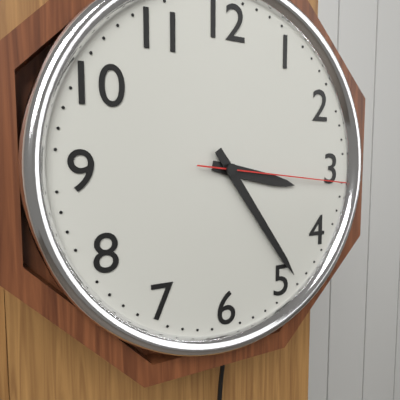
{"hour": 3, "minute": 24, "second": 16}
